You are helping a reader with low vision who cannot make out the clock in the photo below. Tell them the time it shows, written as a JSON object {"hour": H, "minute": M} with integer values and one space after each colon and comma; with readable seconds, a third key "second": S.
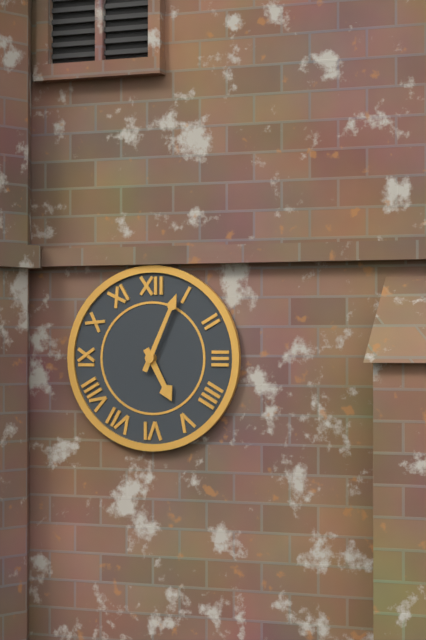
{"hour": 5, "minute": 4}
